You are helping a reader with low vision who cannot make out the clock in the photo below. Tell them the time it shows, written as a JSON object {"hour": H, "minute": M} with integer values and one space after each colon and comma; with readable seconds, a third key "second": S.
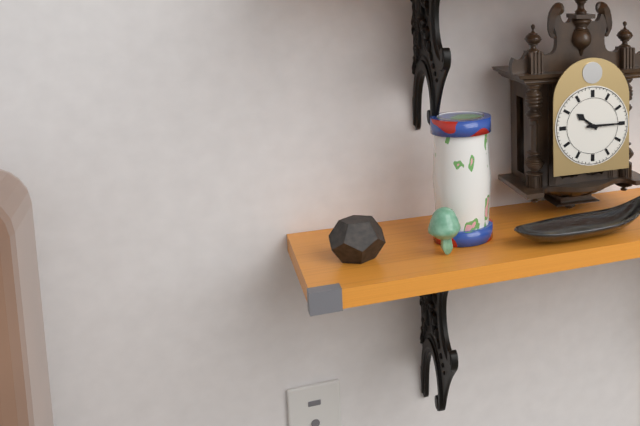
{"hour": 10, "minute": 15}
